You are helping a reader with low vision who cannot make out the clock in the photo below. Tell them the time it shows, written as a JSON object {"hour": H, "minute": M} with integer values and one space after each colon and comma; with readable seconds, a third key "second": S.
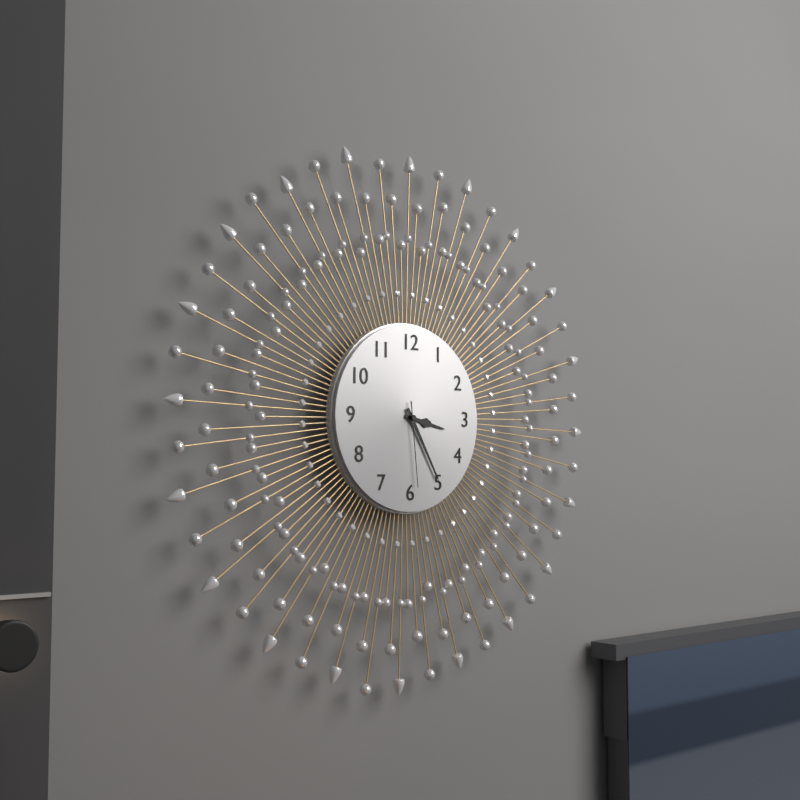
{"hour": 3, "minute": 25, "second": 29}
